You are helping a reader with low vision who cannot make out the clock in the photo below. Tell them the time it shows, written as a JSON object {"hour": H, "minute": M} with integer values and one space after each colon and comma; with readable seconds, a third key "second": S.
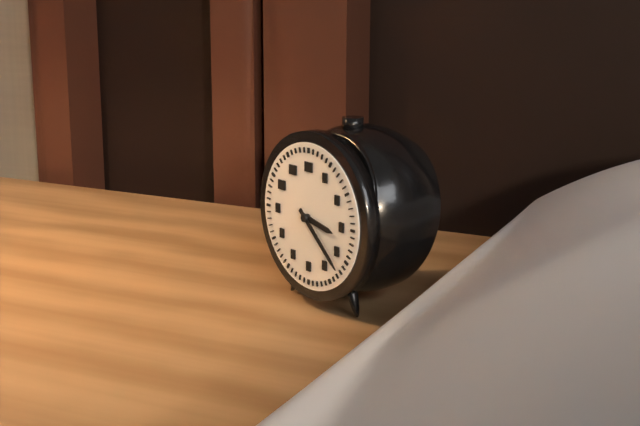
{"hour": 3, "minute": 22}
